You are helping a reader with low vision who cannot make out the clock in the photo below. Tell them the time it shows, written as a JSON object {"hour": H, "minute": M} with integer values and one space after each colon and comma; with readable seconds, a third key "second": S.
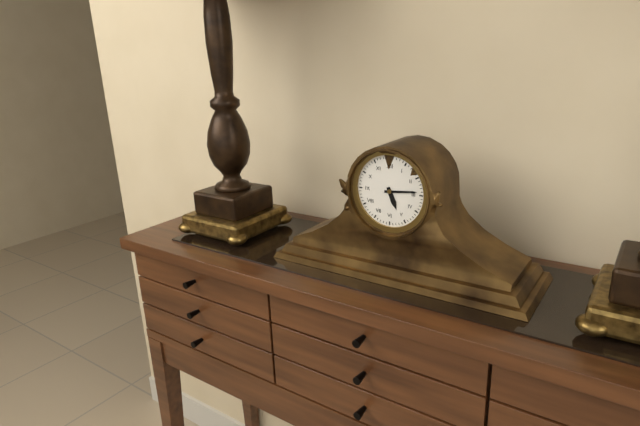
{"hour": 5, "minute": 14}
